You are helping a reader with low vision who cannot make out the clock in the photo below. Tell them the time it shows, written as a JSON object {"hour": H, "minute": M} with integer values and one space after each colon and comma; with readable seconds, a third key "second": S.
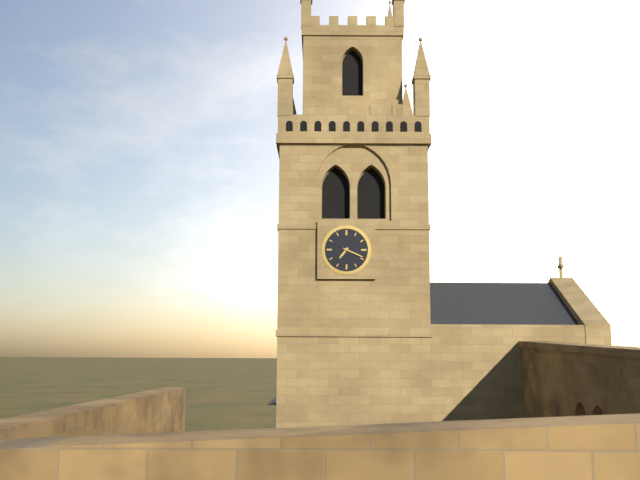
{"hour": 7, "minute": 19}
